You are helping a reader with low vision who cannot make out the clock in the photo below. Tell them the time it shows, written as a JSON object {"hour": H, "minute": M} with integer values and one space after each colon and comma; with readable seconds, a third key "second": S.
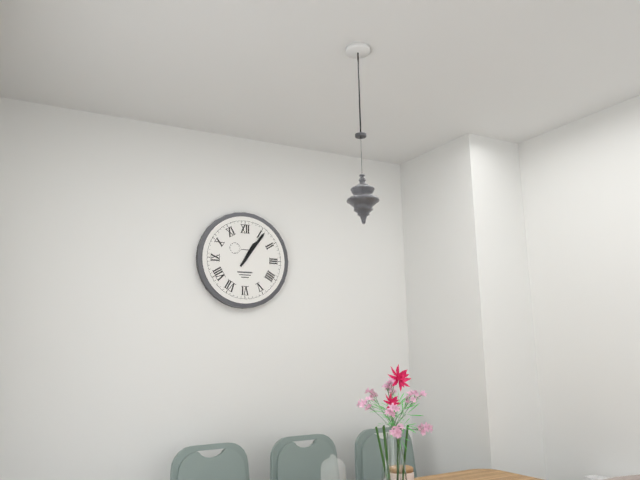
{"hour": 1, "minute": 6}
